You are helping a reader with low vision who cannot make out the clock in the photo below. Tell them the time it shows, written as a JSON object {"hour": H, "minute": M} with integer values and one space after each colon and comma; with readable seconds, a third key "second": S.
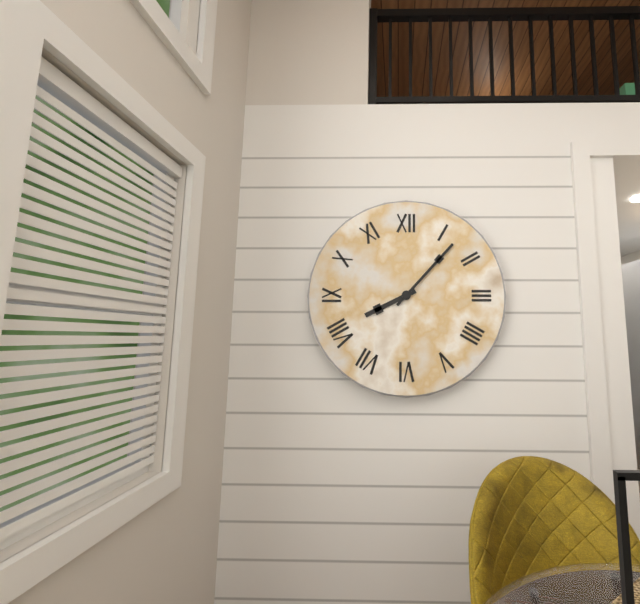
{"hour": 8, "minute": 7}
